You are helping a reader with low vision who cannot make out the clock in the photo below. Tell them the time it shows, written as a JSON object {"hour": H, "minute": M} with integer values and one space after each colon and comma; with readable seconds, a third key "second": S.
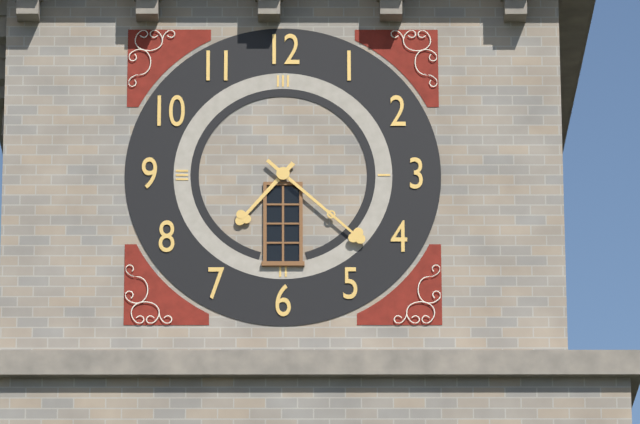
{"hour": 7, "minute": 22}
